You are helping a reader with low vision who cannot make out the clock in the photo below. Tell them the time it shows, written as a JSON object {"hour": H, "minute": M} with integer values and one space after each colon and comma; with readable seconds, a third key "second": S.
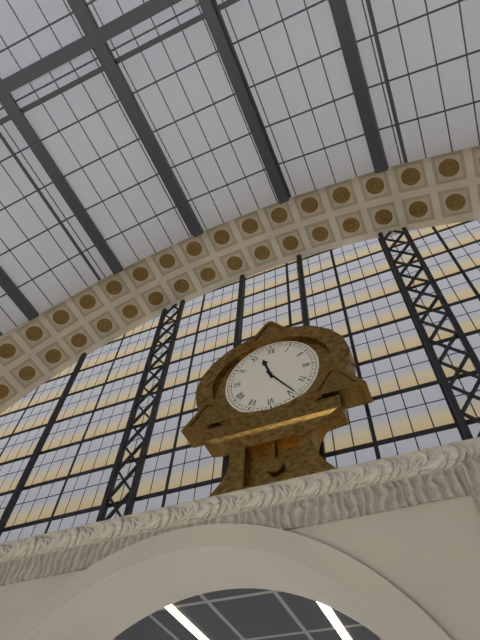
{"hour": 11, "minute": 24}
